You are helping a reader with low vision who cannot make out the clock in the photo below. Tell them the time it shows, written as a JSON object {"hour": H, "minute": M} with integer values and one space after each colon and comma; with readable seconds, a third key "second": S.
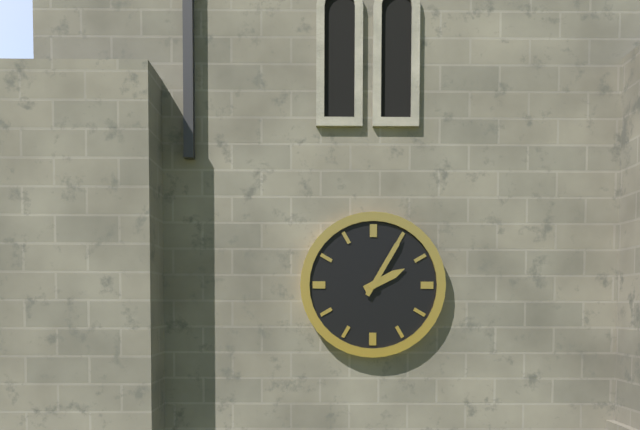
{"hour": 2, "minute": 5}
